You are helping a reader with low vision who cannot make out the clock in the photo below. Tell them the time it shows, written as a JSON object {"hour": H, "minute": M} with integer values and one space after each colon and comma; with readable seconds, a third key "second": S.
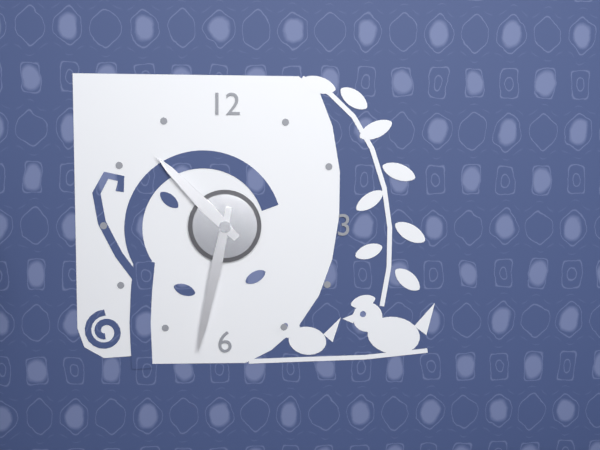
{"hour": 10, "minute": 32}
